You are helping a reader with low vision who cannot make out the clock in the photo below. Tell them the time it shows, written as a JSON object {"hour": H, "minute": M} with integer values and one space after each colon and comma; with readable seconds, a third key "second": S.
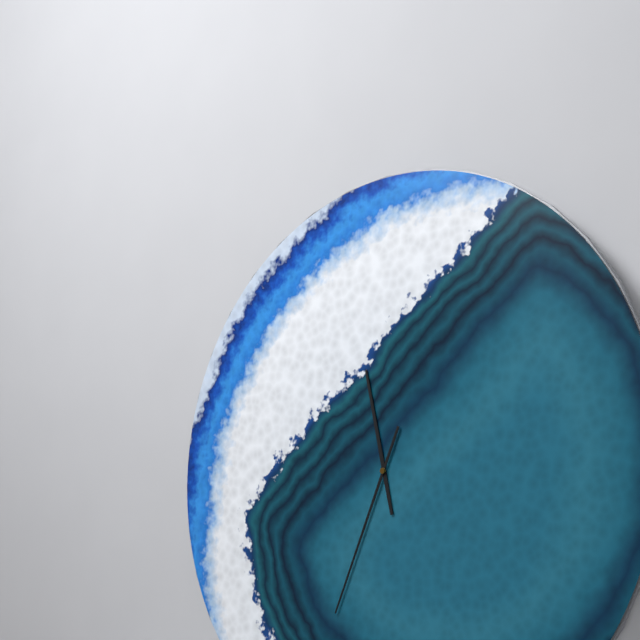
{"hour": 11, "minute": 34}
